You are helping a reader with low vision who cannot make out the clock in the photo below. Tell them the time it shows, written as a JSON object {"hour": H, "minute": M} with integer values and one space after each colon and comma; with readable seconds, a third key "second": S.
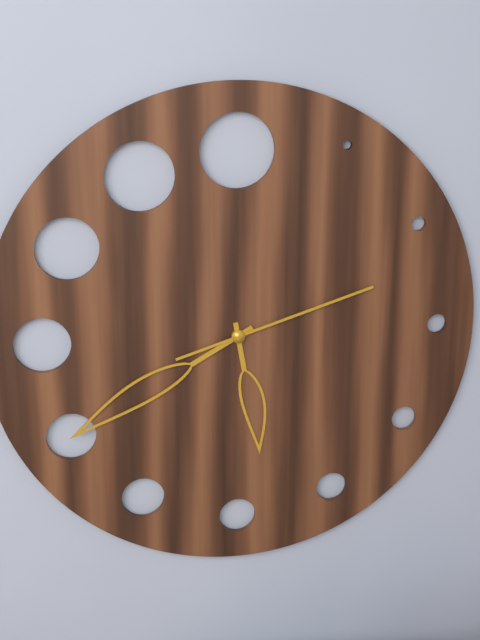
{"hour": 5, "minute": 40, "second": 12}
